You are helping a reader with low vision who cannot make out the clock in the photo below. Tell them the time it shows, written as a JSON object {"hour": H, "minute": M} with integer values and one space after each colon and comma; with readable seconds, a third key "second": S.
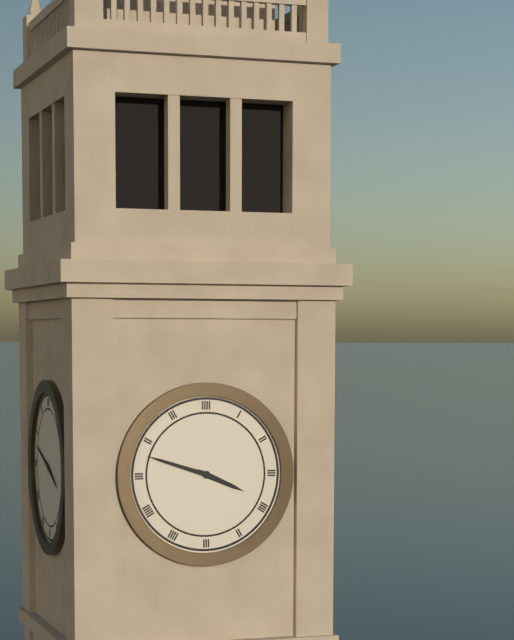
{"hour": 3, "minute": 48}
